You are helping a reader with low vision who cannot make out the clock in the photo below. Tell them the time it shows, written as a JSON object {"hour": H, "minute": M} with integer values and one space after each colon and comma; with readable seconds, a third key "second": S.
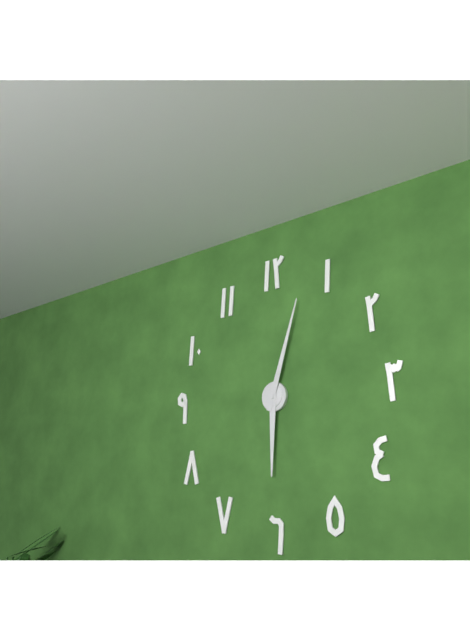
{"hour": 6, "minute": 3}
